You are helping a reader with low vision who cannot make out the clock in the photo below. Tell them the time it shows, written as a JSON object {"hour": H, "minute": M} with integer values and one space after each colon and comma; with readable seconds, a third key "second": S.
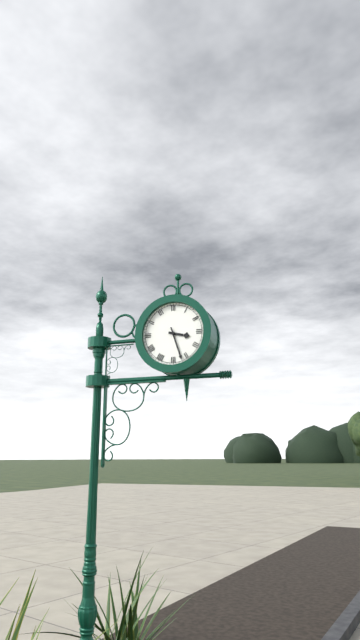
{"hour": 3, "minute": 27}
